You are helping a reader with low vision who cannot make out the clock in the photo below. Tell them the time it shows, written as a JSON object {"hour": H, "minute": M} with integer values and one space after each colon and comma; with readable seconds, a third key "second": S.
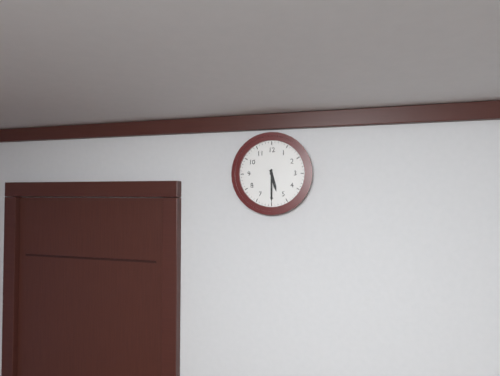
{"hour": 5, "minute": 30}
